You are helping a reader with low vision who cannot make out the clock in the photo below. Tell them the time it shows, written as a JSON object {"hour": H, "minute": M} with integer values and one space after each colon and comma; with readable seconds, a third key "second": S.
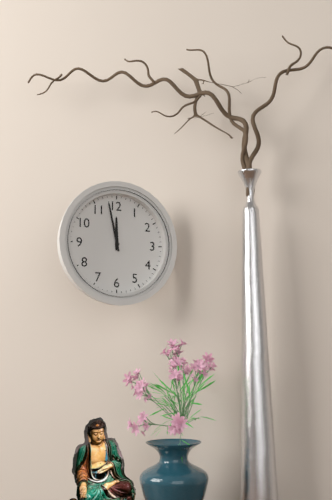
{"hour": 11, "minute": 58}
